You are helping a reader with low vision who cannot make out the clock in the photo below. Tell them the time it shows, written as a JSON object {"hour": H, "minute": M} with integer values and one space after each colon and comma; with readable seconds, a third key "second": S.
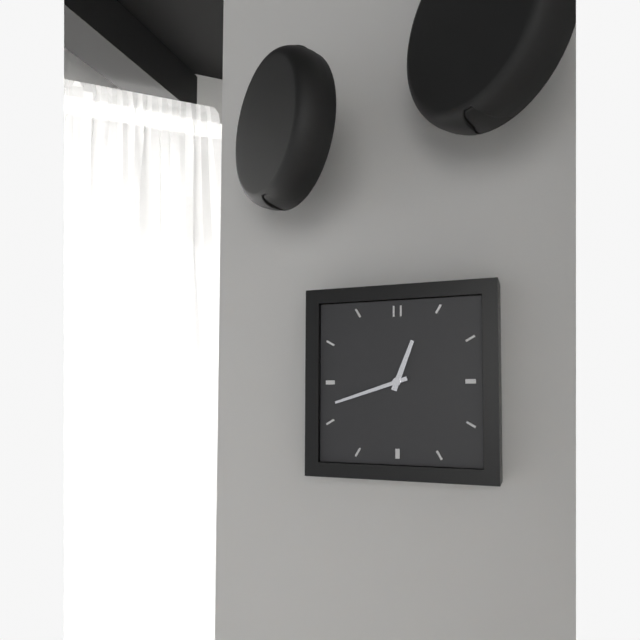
{"hour": 12, "minute": 42}
